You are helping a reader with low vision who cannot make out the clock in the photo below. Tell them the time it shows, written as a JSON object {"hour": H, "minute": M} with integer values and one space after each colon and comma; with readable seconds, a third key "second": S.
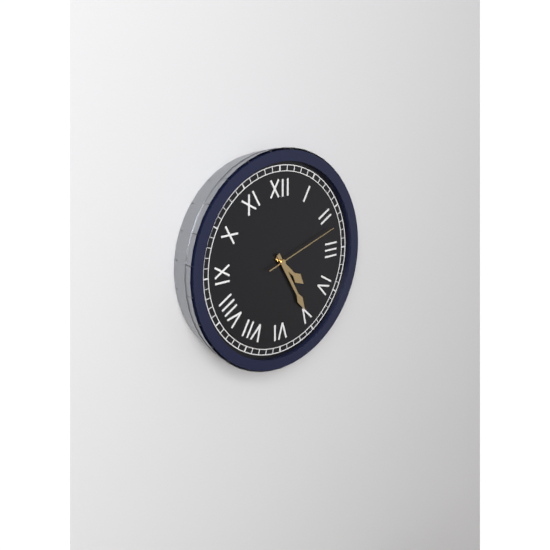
{"hour": 4, "minute": 25, "second": 12}
